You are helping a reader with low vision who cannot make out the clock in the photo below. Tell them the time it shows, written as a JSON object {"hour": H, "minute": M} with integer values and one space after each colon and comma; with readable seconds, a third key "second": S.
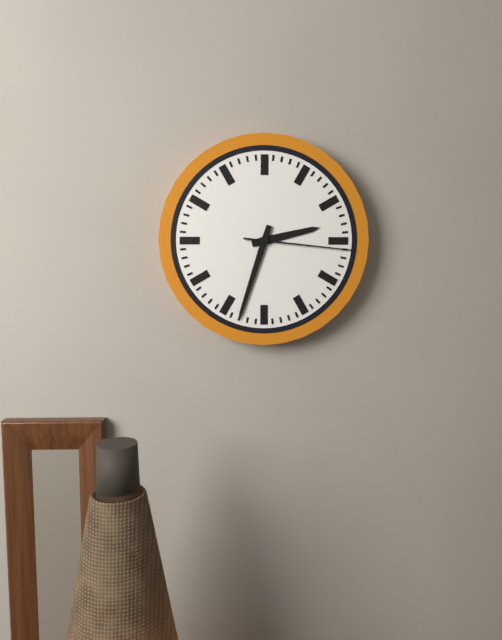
{"hour": 2, "minute": 33, "second": 16}
